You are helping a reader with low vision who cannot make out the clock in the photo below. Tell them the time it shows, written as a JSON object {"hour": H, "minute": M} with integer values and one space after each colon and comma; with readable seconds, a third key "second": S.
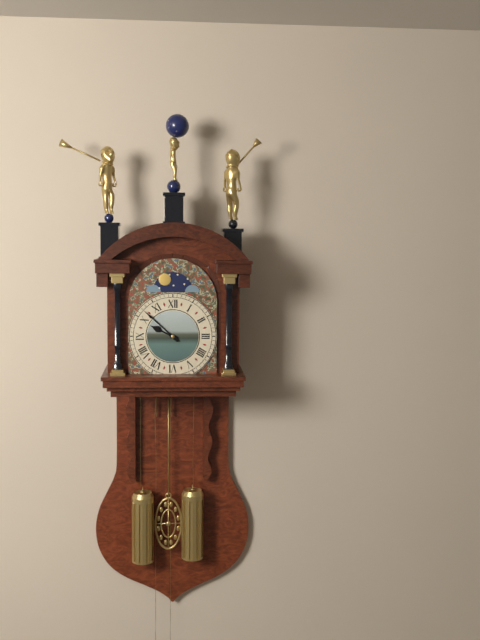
{"hour": 9, "minute": 52}
